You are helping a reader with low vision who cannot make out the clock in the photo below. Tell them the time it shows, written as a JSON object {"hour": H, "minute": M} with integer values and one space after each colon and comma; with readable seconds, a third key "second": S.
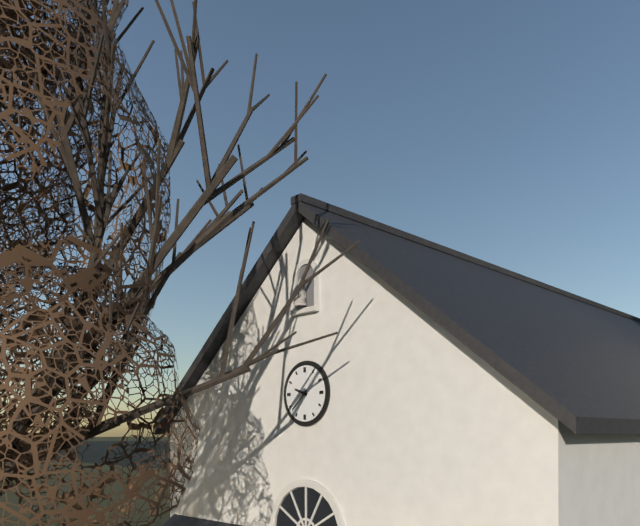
{"hour": 9, "minute": 38}
